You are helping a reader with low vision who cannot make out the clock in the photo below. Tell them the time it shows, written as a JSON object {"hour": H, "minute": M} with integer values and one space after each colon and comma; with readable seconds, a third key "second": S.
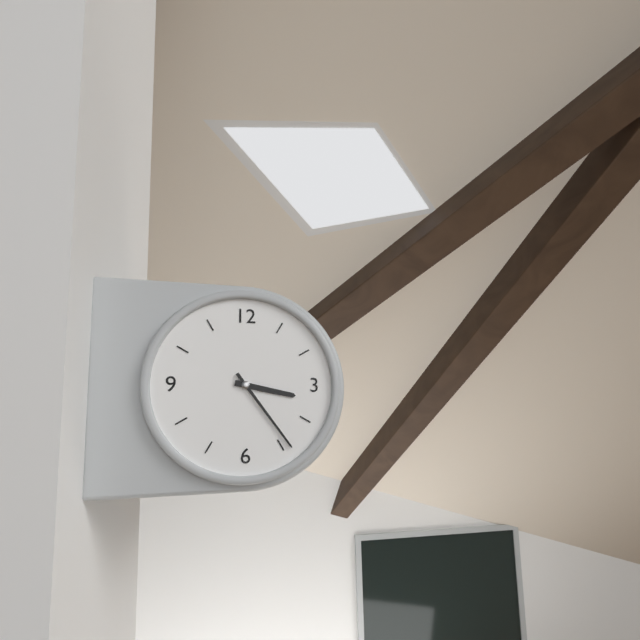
{"hour": 3, "minute": 24}
